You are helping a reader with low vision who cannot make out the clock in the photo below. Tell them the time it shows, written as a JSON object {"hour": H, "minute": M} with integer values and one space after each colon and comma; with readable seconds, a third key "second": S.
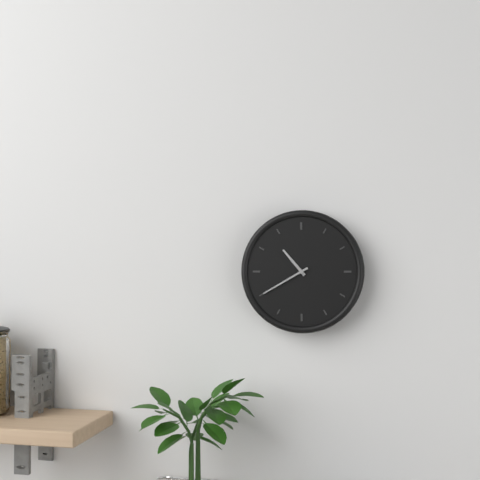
{"hour": 10, "minute": 40}
